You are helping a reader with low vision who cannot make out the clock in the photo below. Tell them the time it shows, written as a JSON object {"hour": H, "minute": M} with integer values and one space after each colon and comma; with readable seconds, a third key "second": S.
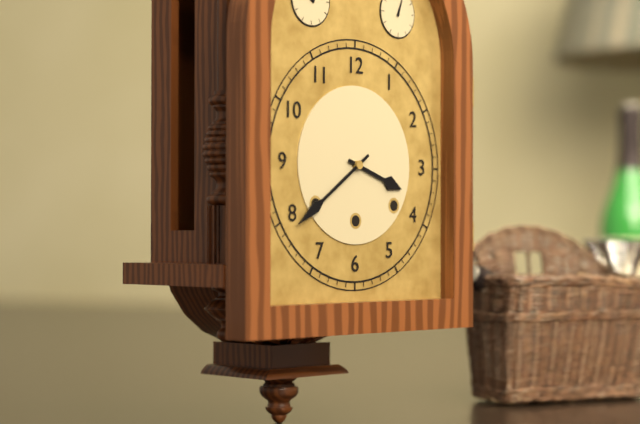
{"hour": 3, "minute": 39}
